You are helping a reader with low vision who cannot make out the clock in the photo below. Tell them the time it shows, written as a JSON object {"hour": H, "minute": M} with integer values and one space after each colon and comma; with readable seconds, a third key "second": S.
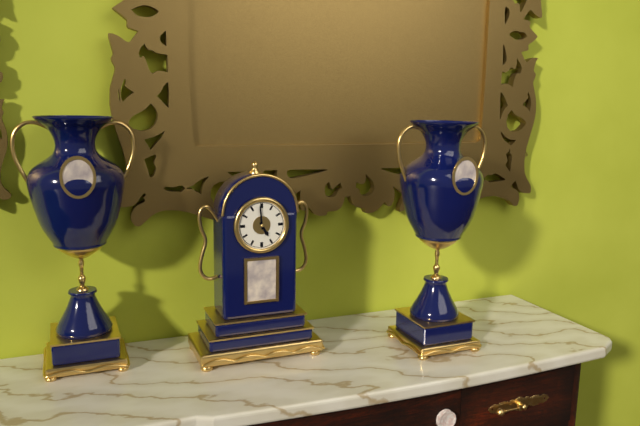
{"hour": 4, "minute": 59}
